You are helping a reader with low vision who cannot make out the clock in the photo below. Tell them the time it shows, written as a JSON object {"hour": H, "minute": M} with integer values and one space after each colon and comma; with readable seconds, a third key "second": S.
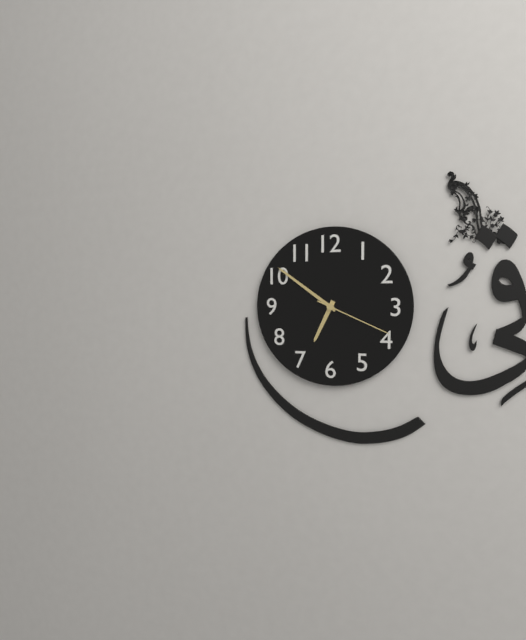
{"hour": 6, "minute": 51, "second": 19}
